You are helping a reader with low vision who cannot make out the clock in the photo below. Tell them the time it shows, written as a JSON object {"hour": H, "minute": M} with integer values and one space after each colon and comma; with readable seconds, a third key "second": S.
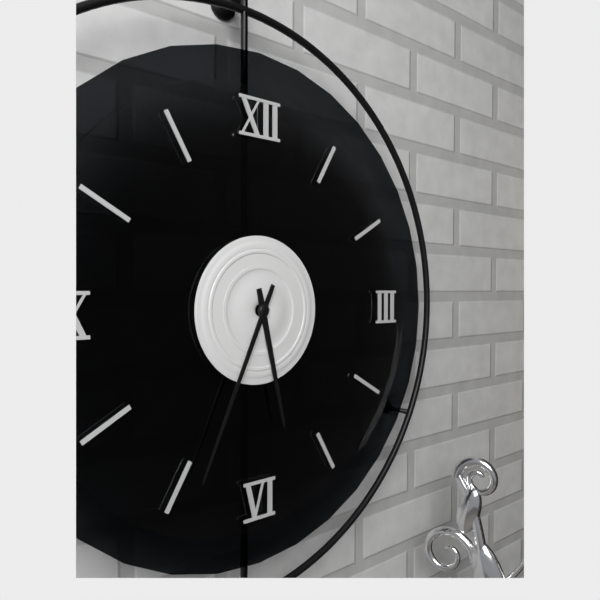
{"hour": 5, "minute": 34}
